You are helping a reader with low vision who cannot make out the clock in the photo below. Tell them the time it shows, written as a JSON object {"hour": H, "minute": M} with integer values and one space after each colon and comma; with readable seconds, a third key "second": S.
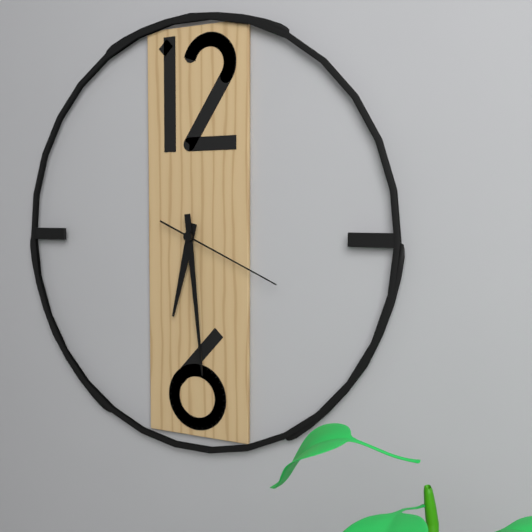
{"hour": 6, "minute": 29, "second": 19}
